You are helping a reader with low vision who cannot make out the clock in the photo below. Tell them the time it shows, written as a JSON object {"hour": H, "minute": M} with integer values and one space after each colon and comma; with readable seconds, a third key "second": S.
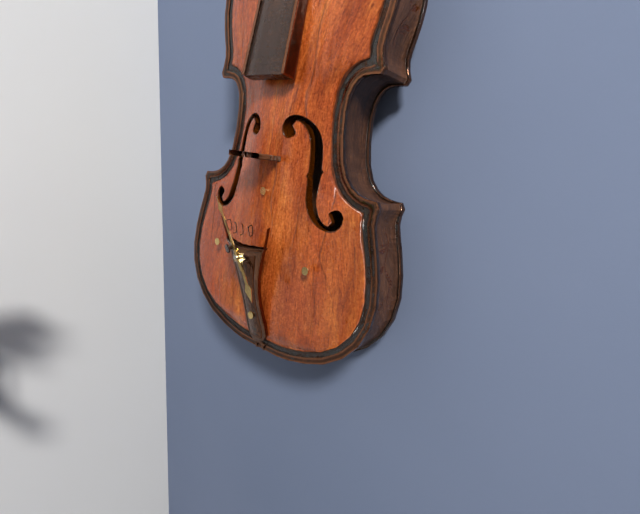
{"hour": 4, "minute": 54}
